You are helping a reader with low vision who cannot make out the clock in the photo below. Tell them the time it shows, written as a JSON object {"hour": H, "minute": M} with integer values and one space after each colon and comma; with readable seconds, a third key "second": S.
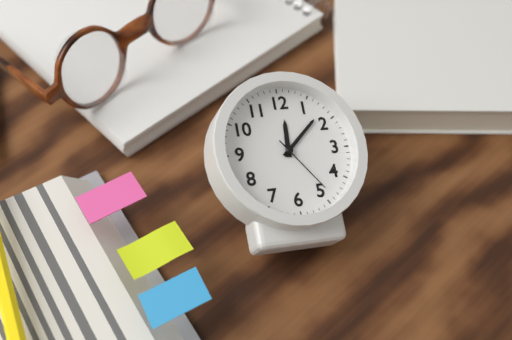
{"hour": 12, "minute": 8, "second": 24}
